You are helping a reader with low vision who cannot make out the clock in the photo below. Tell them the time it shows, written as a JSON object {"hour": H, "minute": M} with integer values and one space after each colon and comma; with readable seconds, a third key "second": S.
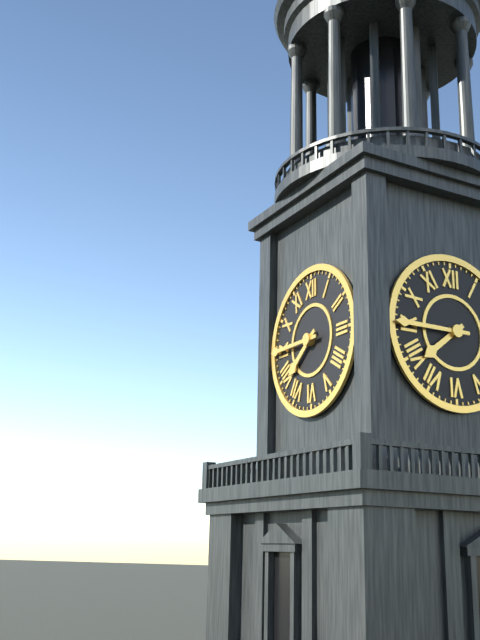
{"hour": 7, "minute": 45}
